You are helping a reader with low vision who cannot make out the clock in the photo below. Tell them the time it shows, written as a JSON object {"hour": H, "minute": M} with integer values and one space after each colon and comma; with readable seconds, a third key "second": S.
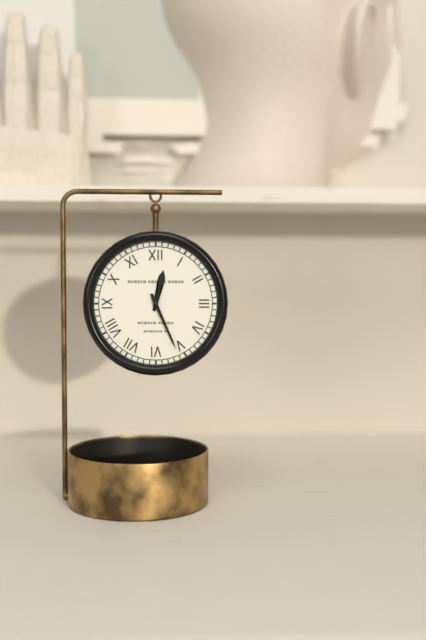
{"hour": 12, "minute": 26}
